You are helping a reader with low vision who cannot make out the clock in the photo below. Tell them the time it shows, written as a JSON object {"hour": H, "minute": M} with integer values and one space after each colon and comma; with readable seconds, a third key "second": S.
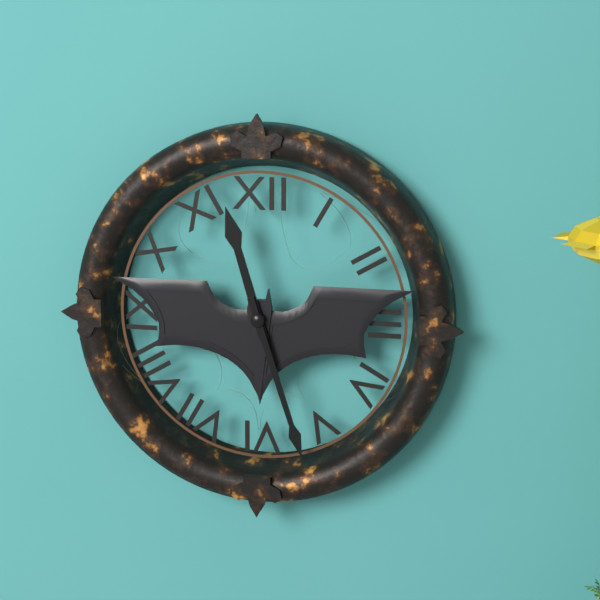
{"hour": 11, "minute": 27}
